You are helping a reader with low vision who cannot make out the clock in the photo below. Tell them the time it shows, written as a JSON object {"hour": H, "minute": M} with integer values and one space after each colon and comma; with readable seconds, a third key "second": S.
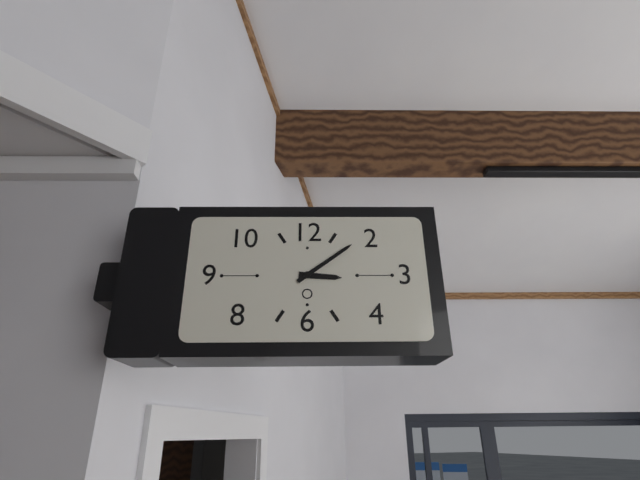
{"hour": 3, "minute": 9}
